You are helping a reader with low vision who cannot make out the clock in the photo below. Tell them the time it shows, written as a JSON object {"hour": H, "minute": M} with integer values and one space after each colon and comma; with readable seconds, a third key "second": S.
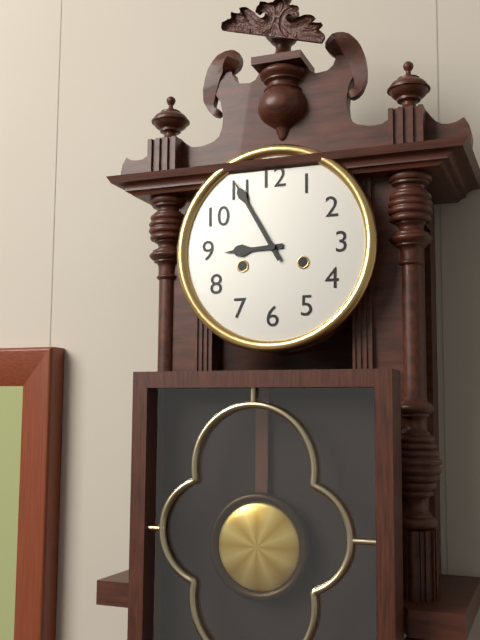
{"hour": 8, "minute": 55}
